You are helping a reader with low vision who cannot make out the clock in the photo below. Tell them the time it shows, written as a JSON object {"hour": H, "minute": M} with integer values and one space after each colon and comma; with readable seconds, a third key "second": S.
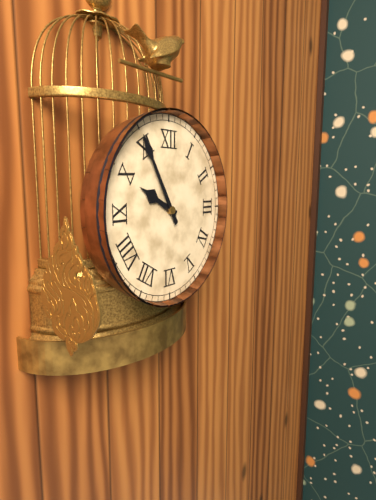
{"hour": 9, "minute": 55}
